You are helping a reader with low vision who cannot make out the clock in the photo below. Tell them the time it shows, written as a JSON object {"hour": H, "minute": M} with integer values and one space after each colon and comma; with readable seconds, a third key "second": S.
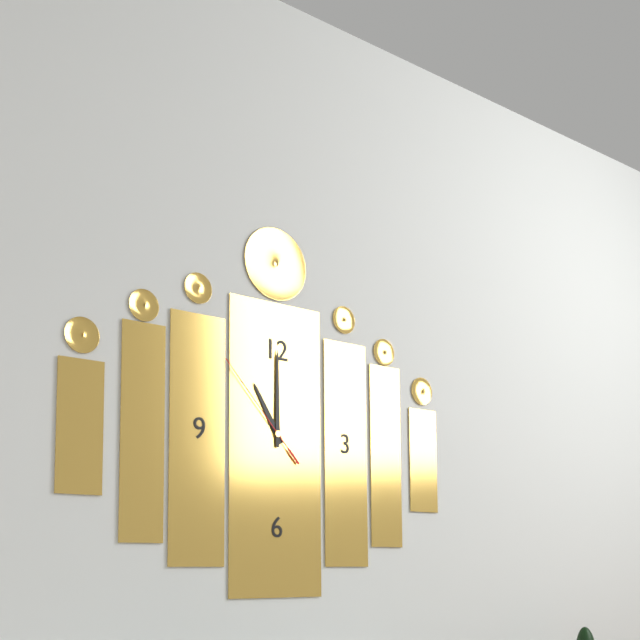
{"hour": 11, "minute": 0, "second": 53}
